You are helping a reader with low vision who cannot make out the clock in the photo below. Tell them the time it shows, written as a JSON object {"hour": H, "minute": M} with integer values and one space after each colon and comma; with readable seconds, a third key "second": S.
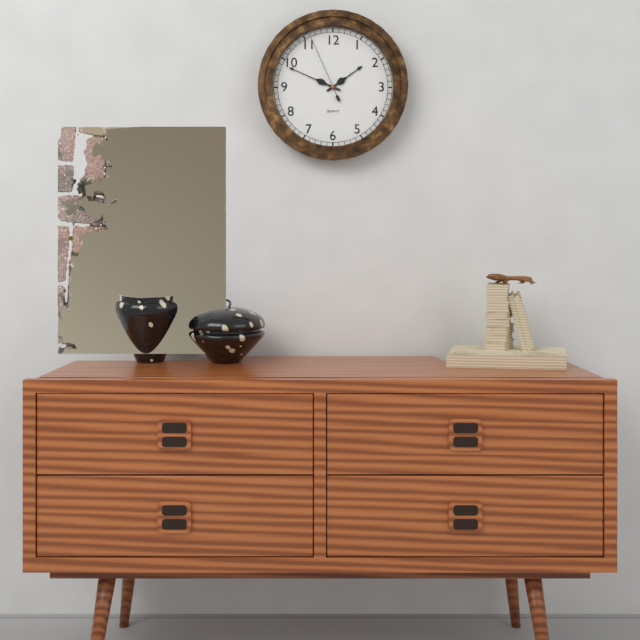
{"hour": 1, "minute": 49, "second": 56}
